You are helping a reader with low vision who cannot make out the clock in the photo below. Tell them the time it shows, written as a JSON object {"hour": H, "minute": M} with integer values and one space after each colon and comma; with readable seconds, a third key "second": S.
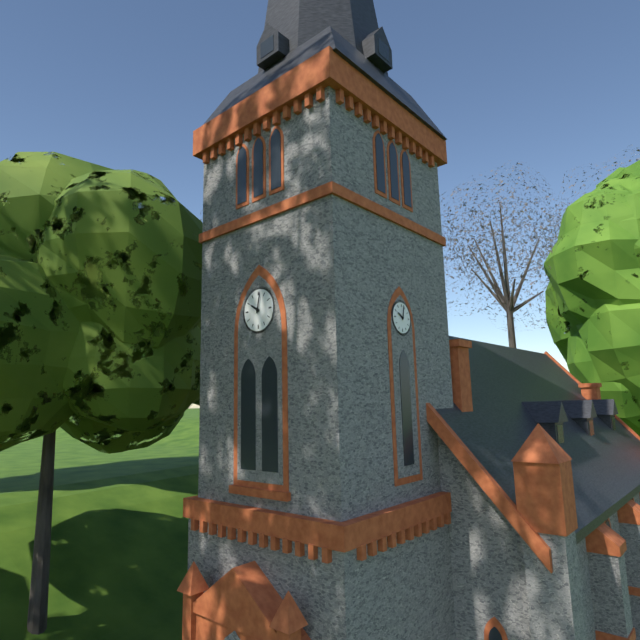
{"hour": 10, "minute": 2}
